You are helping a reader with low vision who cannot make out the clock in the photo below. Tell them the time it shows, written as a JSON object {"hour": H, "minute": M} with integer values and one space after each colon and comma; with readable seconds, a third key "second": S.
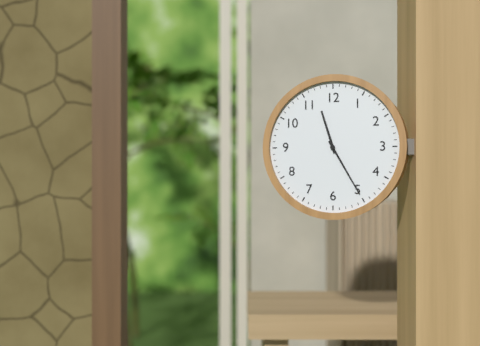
{"hour": 11, "minute": 25}
